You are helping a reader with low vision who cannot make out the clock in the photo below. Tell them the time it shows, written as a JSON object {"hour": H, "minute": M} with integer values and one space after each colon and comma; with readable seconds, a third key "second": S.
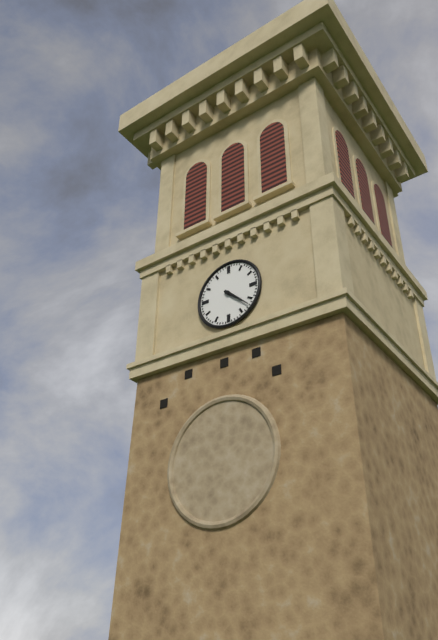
{"hour": 4, "minute": 22}
